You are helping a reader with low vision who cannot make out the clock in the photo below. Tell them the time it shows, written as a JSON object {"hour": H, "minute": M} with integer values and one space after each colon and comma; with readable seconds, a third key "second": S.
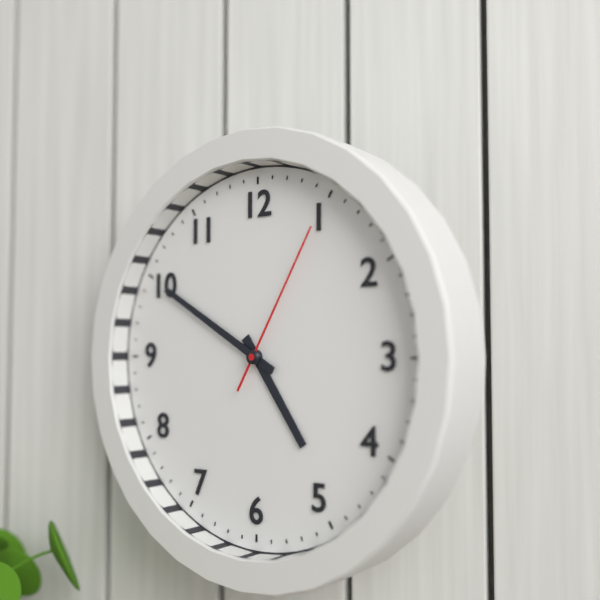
{"hour": 4, "minute": 50, "second": 5}
